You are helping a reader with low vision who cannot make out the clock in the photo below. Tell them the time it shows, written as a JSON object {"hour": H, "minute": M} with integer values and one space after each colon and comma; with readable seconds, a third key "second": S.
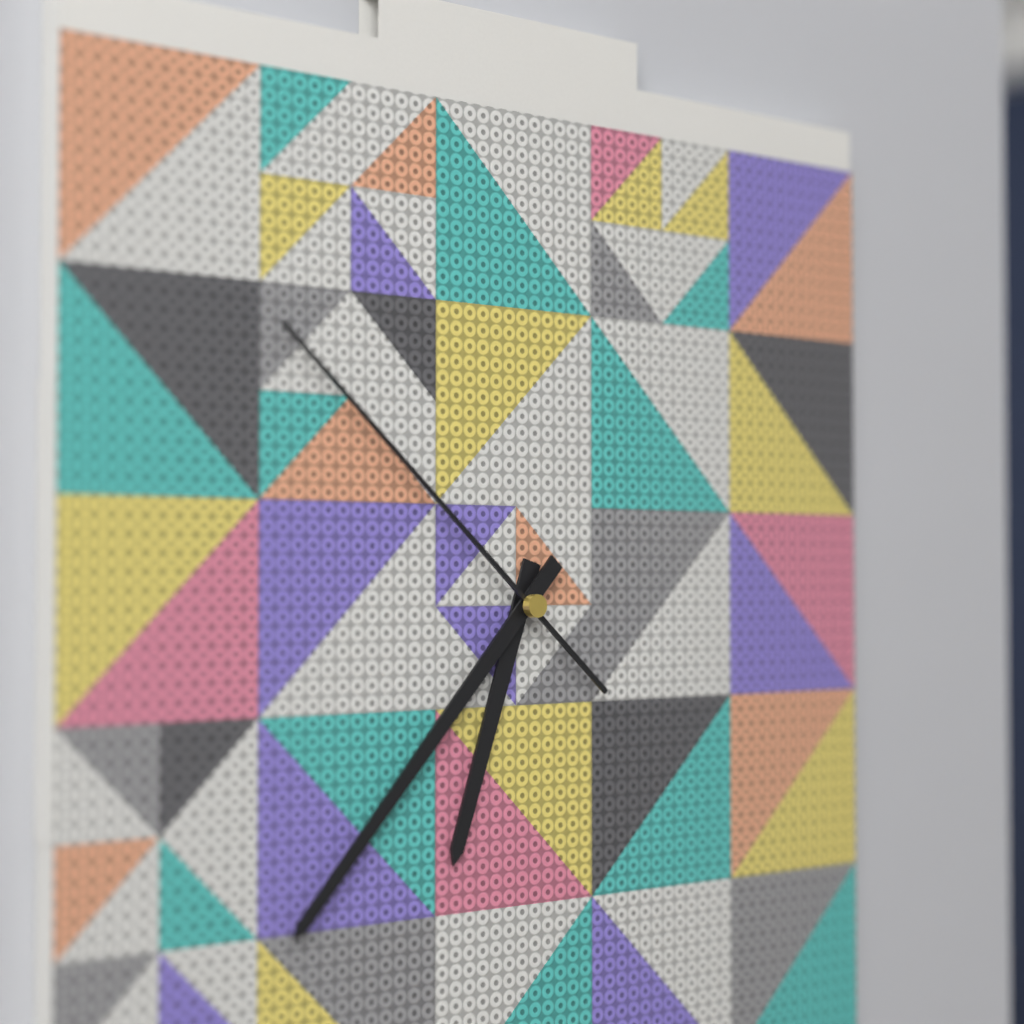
{"hour": 6, "minute": 37, "second": 52}
